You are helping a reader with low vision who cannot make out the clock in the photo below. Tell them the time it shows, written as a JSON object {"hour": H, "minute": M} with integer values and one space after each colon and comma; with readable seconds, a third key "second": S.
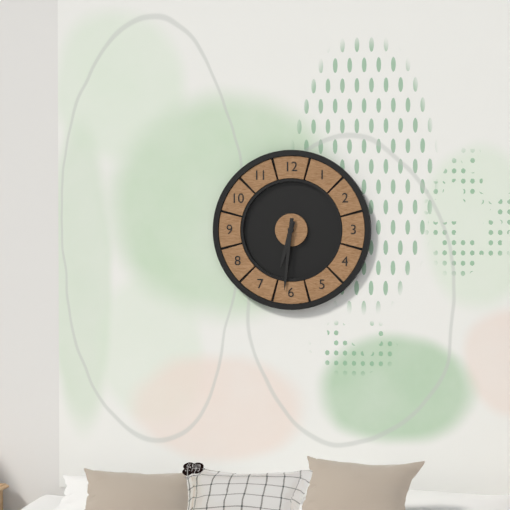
{"hour": 6, "minute": 31}
